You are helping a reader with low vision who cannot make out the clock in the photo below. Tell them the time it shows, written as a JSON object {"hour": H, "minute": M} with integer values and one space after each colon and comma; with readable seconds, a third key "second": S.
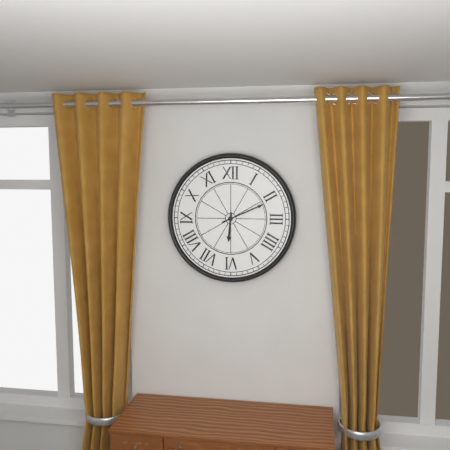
{"hour": 6, "minute": 11}
